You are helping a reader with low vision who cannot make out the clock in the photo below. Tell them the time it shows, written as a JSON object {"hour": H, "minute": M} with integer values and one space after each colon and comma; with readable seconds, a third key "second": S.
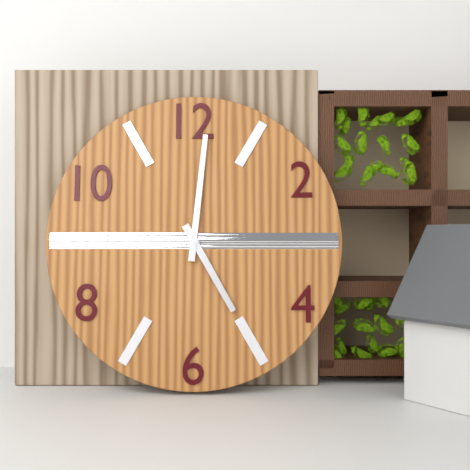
{"hour": 5, "minute": 1}
